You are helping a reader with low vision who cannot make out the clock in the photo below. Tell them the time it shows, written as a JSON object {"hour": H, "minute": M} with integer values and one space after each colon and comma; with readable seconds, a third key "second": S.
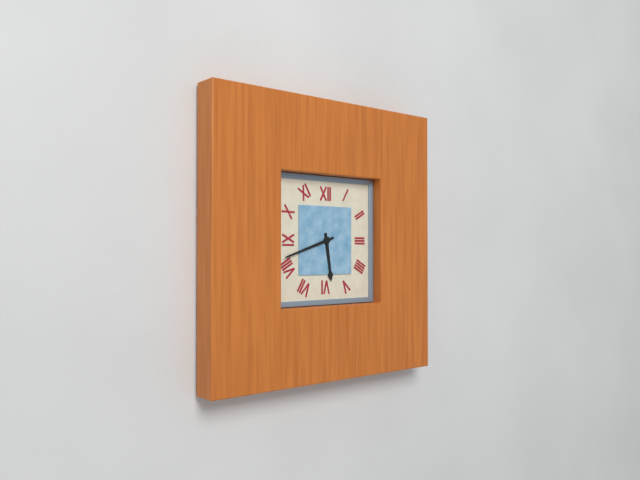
{"hour": 5, "minute": 42}
